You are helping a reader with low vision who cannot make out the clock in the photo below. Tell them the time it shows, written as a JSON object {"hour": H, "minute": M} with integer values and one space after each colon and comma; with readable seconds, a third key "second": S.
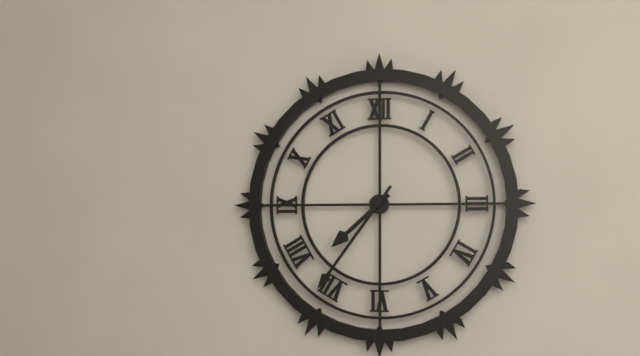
{"hour": 7, "minute": 36}
